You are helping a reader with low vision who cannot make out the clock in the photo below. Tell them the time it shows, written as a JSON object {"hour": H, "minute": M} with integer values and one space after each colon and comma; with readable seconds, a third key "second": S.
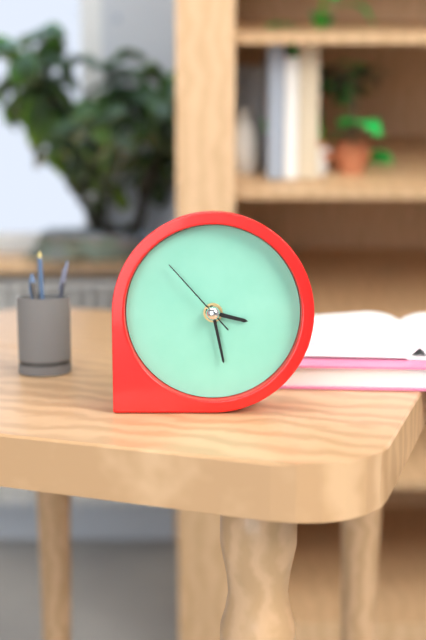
{"hour": 3, "minute": 28, "second": 53}
